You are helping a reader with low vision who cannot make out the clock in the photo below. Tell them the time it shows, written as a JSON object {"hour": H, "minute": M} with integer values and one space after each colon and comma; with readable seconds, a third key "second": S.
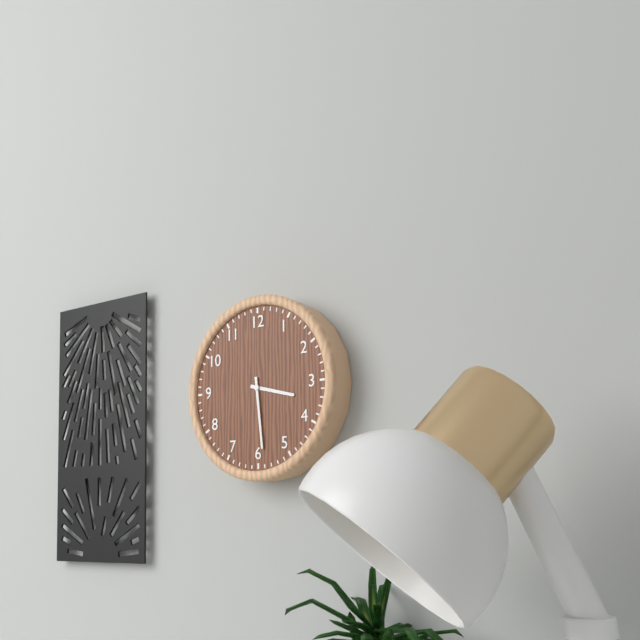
{"hour": 3, "minute": 29}
